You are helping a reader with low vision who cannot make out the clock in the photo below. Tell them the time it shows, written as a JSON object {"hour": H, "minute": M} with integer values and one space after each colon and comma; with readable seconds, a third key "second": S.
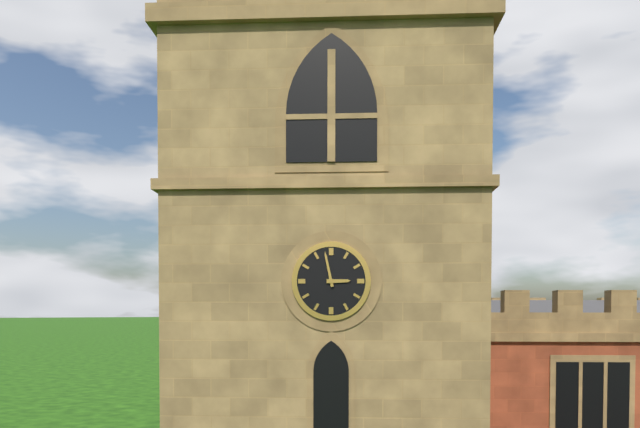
{"hour": 2, "minute": 58}
